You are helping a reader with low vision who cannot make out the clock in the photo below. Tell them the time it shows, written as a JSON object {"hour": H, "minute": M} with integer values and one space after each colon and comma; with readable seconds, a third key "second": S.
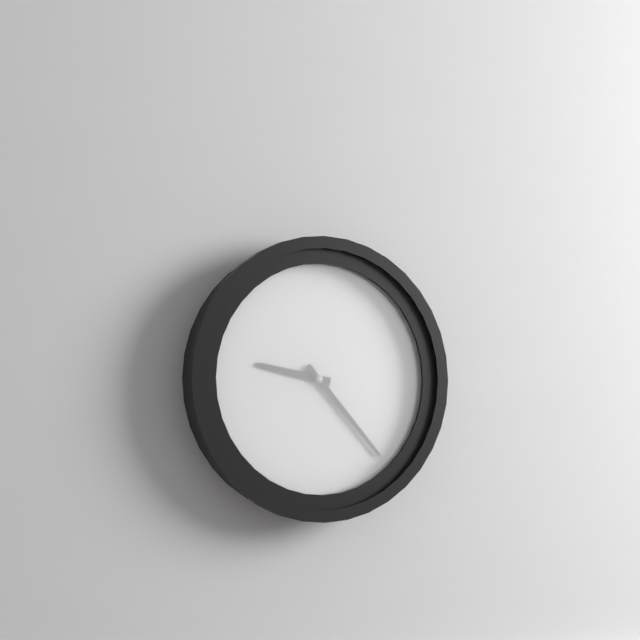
{"hour": 9, "minute": 23}
